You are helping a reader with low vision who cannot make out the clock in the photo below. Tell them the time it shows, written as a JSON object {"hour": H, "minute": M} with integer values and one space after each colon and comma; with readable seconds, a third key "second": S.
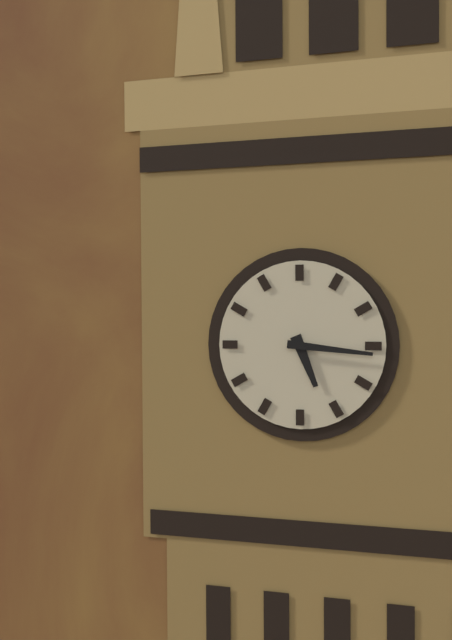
{"hour": 5, "minute": 16}
